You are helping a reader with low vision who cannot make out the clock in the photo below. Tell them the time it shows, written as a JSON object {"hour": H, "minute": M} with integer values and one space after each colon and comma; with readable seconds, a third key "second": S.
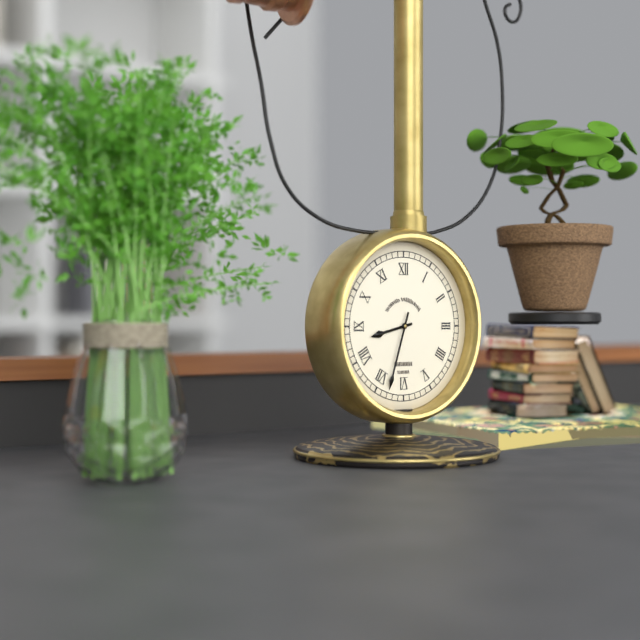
{"hour": 8, "minute": 33}
